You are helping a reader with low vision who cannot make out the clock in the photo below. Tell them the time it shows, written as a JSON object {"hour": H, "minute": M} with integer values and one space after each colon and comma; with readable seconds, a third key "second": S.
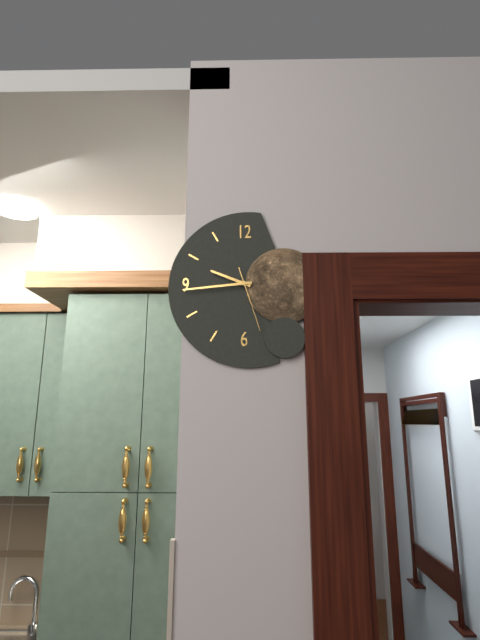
{"hour": 9, "minute": 44, "second": 27}
